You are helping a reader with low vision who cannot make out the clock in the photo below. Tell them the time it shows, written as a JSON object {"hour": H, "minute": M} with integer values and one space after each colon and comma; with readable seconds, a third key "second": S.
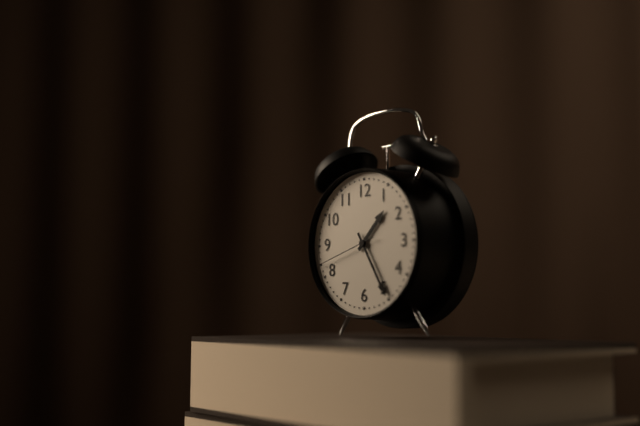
{"hour": 1, "minute": 25, "second": 42}
